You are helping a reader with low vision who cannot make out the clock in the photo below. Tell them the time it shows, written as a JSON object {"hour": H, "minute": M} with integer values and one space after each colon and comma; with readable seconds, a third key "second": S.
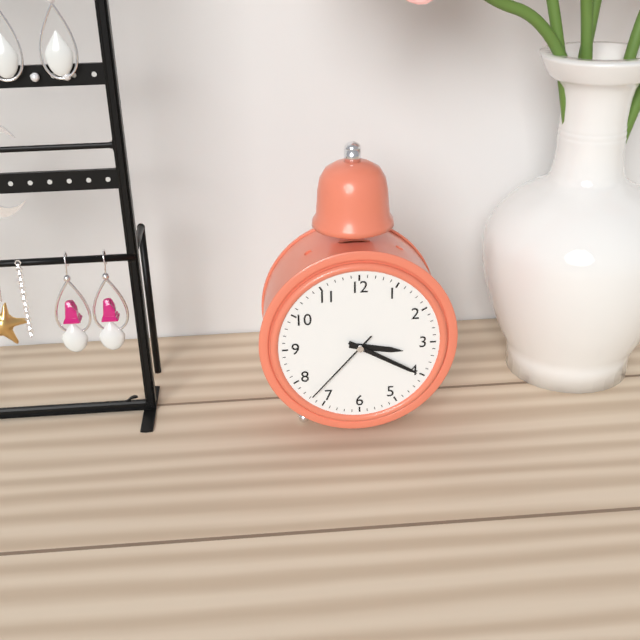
{"hour": 3, "minute": 20, "second": 37}
